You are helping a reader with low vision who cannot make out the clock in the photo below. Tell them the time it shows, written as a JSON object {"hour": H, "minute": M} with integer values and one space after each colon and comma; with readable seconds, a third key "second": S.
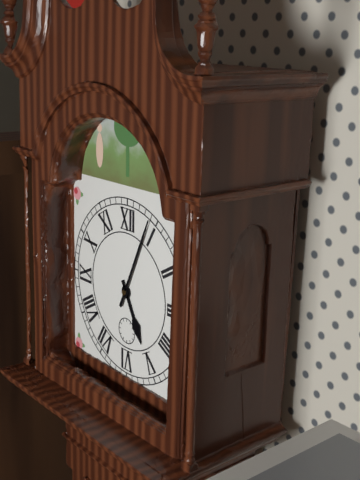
{"hour": 5, "minute": 4}
